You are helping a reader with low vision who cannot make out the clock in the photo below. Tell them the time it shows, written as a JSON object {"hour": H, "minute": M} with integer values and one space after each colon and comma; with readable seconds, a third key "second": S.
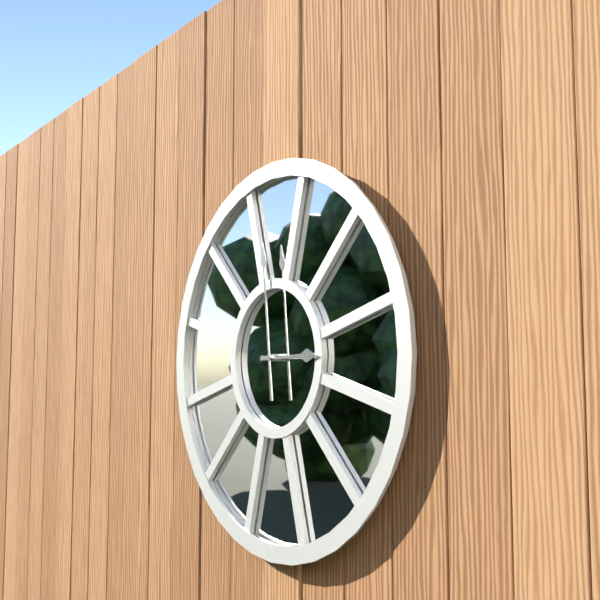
{"hour": 2, "minute": 59}
